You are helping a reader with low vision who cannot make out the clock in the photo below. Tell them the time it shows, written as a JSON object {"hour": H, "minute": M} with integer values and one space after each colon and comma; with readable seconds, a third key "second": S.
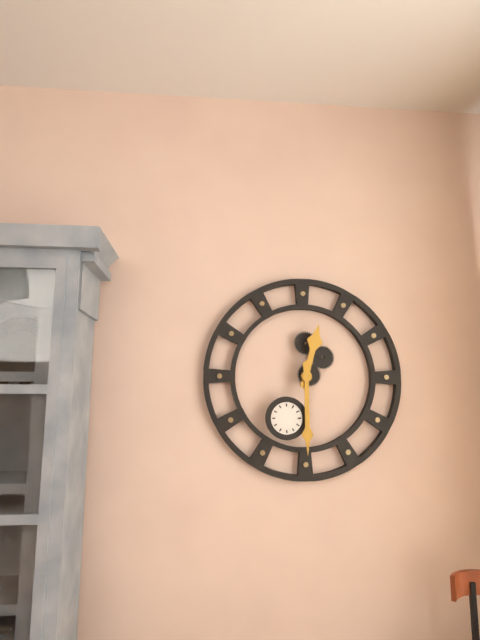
{"hour": 12, "minute": 30}
